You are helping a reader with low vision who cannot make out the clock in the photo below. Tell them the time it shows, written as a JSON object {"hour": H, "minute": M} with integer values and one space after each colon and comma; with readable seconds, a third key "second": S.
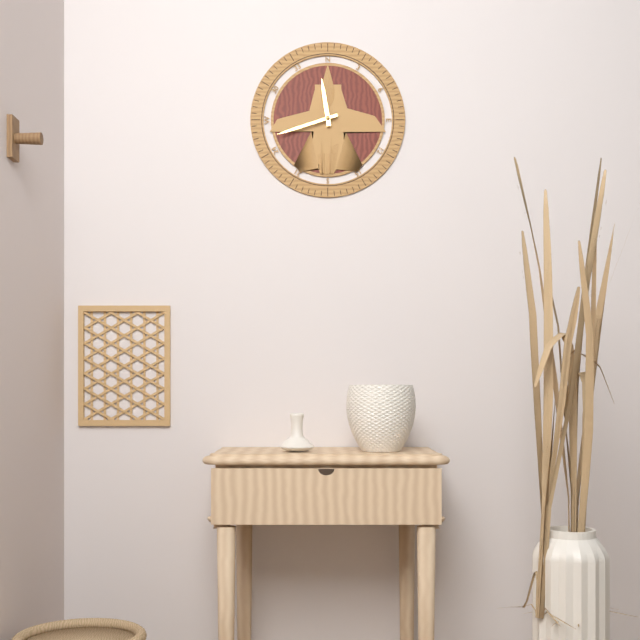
{"hour": 11, "minute": 42}
